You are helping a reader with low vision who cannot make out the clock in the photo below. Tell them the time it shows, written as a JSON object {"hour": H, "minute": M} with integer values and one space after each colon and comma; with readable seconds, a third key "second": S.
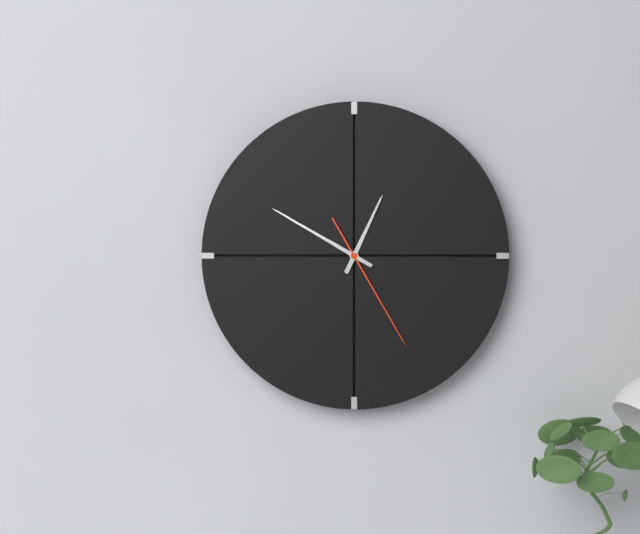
{"hour": 12, "minute": 50, "second": 25}
